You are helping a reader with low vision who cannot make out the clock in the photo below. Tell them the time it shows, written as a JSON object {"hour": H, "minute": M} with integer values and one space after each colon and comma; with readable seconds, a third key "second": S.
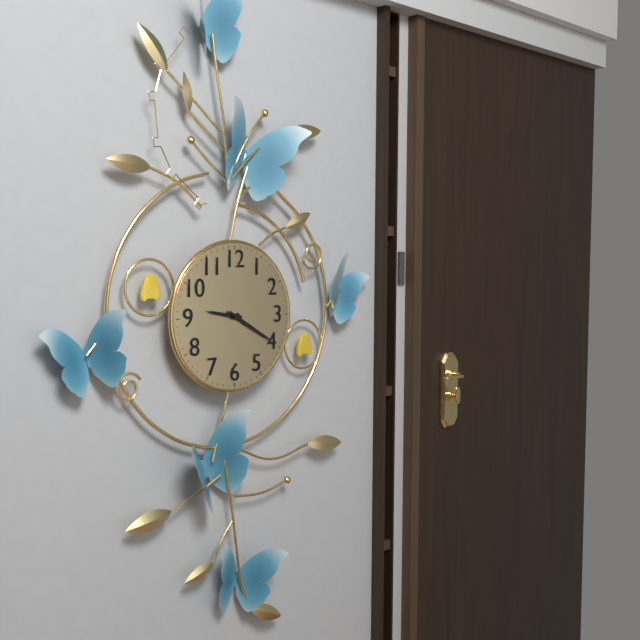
{"hour": 9, "minute": 20}
